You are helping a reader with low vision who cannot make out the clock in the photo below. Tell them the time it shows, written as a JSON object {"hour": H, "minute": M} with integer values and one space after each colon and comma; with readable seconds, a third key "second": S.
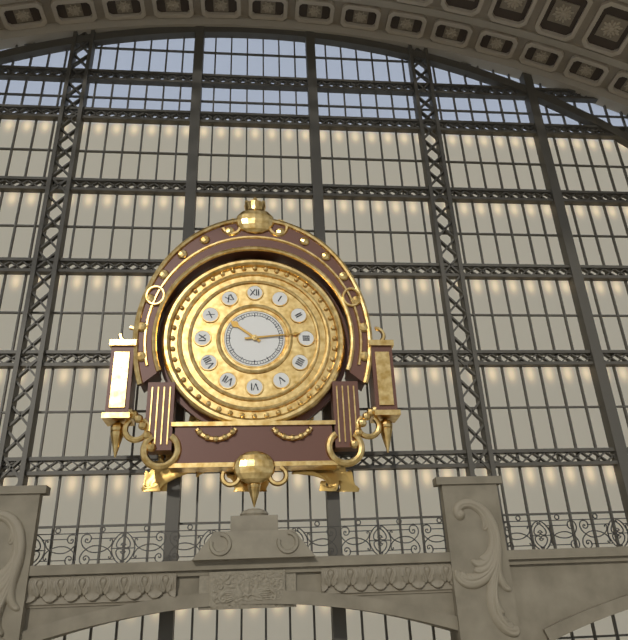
{"hour": 10, "minute": 14}
